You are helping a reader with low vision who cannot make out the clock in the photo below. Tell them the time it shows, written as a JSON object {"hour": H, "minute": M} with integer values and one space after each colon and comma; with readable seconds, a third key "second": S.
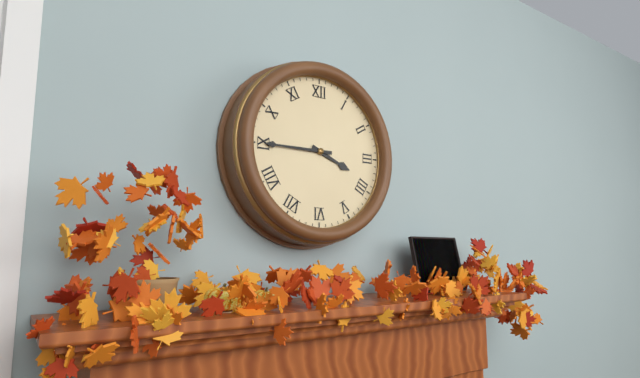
{"hour": 3, "minute": 45}
